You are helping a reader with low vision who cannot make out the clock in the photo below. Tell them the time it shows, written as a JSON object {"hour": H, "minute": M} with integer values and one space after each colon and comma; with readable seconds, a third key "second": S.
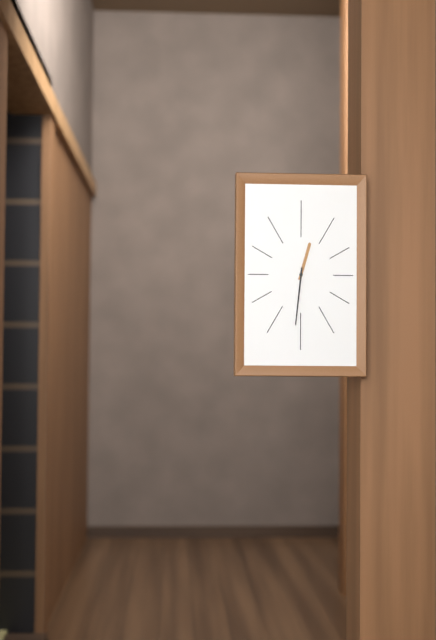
{"hour": 12, "minute": 31}
